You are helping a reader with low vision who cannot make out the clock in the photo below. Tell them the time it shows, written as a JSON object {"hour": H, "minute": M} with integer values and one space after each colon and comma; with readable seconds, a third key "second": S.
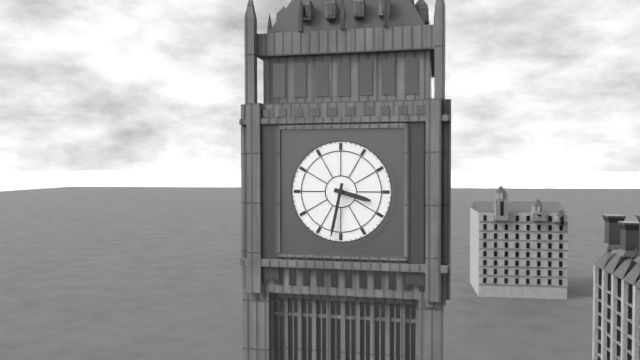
{"hour": 3, "minute": 32}
